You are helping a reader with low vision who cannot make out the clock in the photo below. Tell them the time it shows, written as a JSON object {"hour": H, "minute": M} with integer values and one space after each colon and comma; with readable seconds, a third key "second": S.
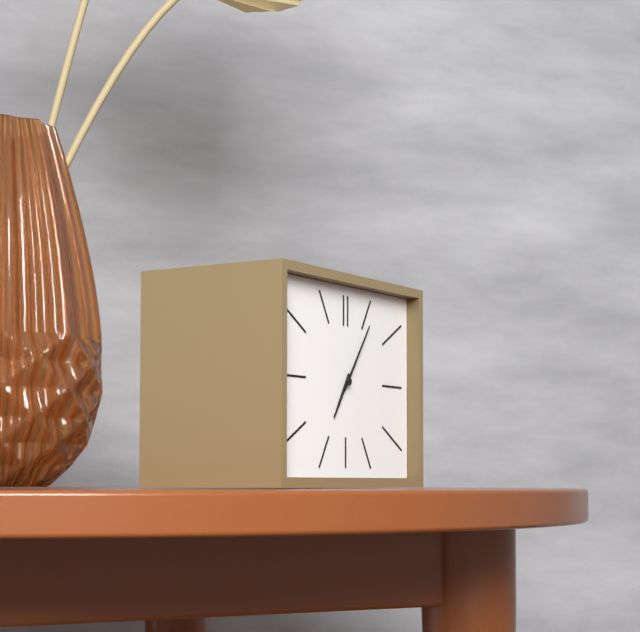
{"hour": 7, "minute": 6}
